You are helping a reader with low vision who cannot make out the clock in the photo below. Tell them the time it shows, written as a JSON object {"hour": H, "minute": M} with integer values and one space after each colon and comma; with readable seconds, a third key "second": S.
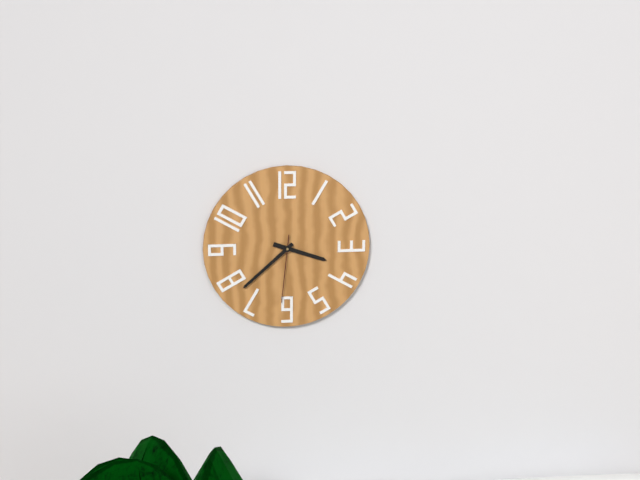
{"hour": 3, "minute": 38, "second": 31}
